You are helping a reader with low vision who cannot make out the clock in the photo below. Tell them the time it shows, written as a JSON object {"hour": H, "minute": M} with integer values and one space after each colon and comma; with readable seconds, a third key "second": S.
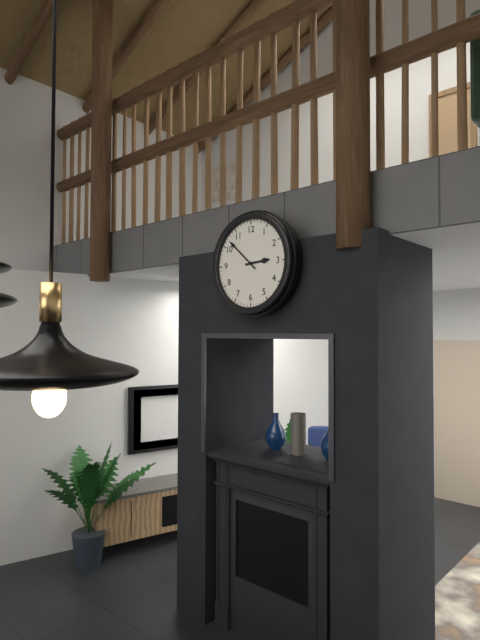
{"hour": 2, "minute": 52}
